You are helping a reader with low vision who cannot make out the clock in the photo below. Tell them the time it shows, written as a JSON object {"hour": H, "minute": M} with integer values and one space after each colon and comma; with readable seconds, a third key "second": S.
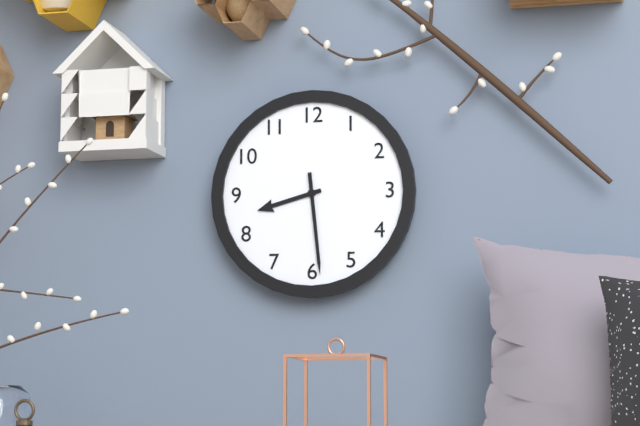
{"hour": 8, "minute": 29}
